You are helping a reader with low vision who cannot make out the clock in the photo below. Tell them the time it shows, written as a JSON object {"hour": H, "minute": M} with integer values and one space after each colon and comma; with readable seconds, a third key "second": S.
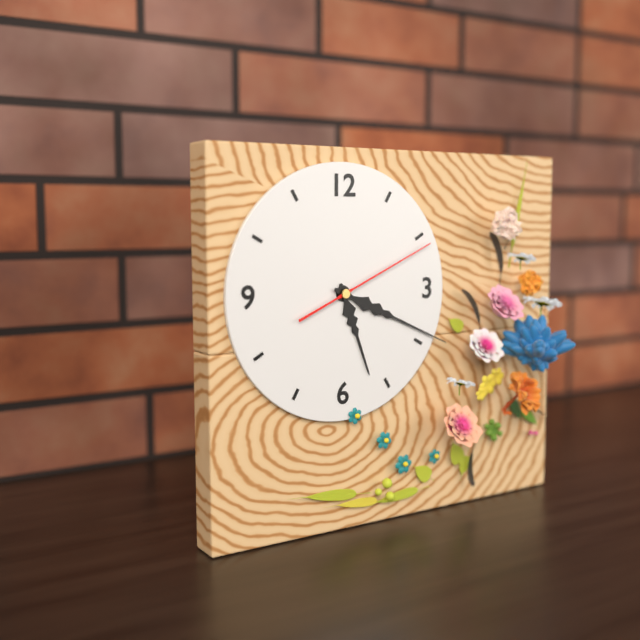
{"hour": 5, "minute": 19, "second": 11}
